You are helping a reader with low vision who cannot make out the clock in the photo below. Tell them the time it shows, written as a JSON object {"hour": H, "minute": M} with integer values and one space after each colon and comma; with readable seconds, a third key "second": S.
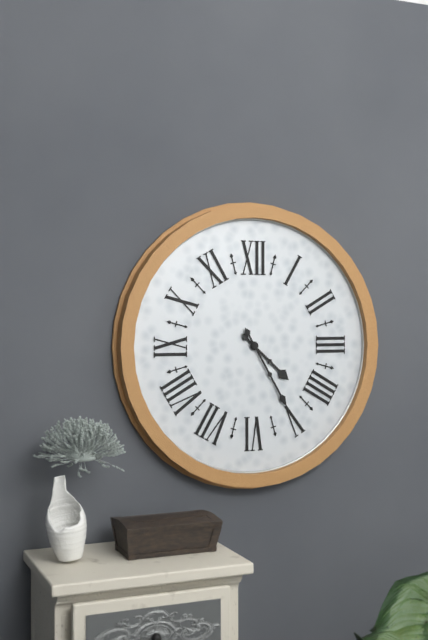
{"hour": 4, "minute": 25}
